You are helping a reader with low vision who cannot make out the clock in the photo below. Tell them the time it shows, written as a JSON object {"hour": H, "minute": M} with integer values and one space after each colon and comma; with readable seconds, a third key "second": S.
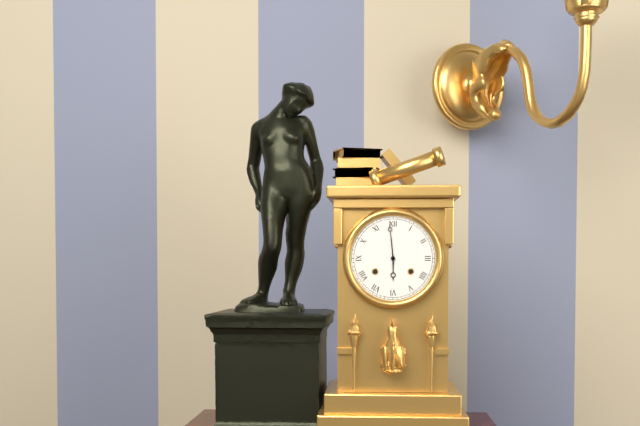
{"hour": 5, "minute": 59}
